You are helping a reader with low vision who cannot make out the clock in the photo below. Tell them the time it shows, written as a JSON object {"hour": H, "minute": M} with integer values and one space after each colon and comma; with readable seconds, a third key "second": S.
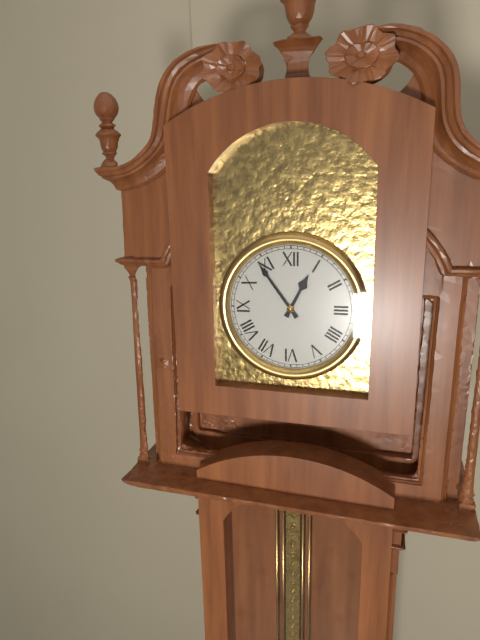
{"hour": 12, "minute": 54}
